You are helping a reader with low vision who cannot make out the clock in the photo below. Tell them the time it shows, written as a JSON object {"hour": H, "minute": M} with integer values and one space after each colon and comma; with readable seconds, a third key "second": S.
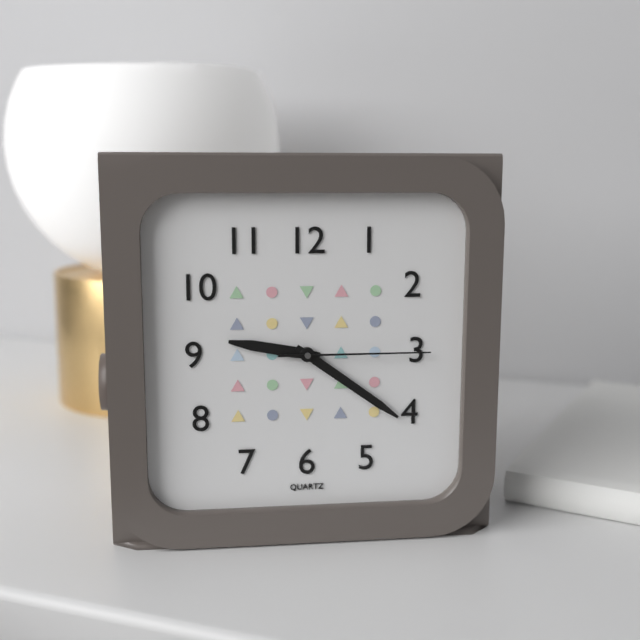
{"hour": 9, "minute": 21, "second": 15}
